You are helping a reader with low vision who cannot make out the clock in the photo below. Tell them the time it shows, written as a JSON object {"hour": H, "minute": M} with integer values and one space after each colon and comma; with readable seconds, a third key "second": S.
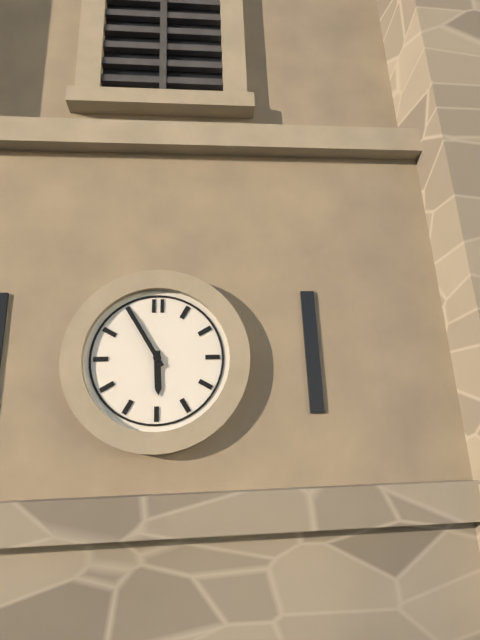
{"hour": 5, "minute": 55}
